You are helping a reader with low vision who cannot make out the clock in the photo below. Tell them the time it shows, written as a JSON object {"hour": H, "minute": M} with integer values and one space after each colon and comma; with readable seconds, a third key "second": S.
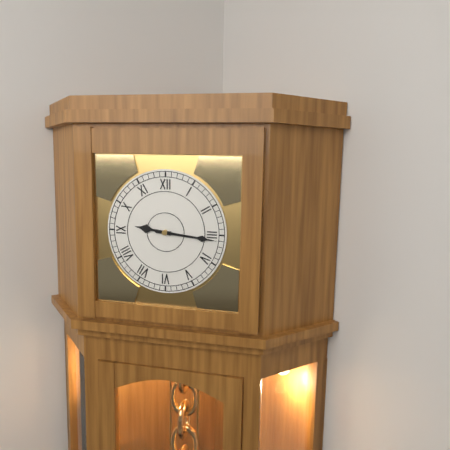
{"hour": 9, "minute": 16}
